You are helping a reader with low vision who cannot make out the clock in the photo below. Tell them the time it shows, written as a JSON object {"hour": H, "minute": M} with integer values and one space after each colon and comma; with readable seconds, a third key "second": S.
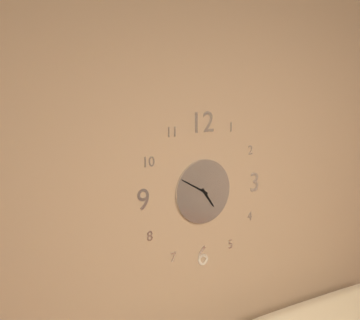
{"hour": 4, "minute": 50}
